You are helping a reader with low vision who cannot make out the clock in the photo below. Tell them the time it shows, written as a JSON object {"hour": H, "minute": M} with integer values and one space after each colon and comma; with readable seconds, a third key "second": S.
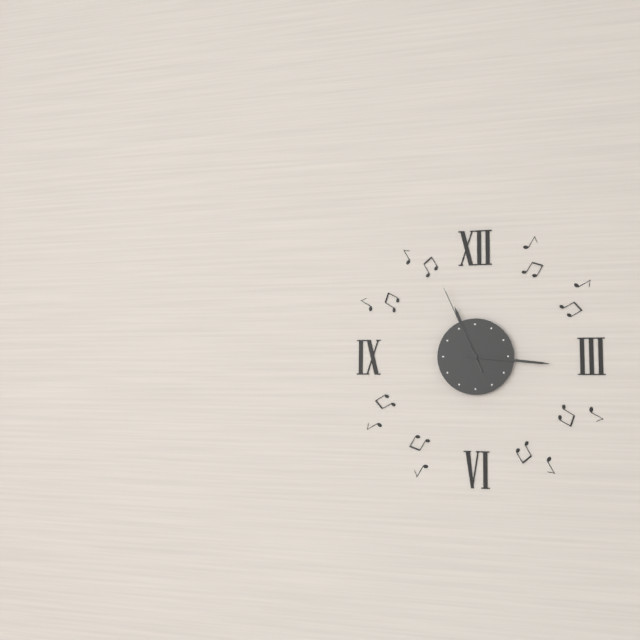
{"hour": 11, "minute": 16, "second": 56}
